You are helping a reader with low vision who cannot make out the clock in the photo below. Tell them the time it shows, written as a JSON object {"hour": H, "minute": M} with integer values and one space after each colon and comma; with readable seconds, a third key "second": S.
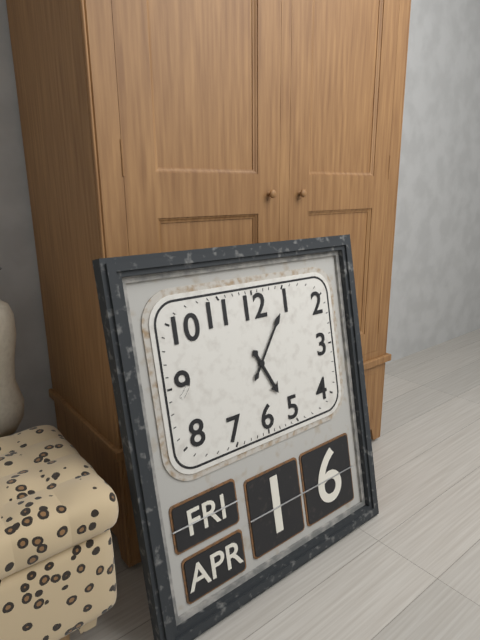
{"hour": 5, "minute": 6}
